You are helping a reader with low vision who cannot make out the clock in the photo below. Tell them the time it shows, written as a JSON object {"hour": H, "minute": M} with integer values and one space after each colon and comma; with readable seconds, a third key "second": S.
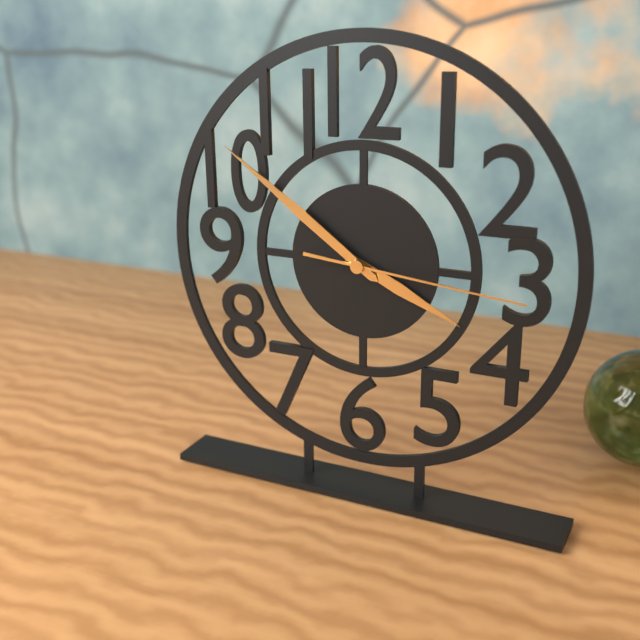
{"hour": 3, "minute": 51, "second": 16}
